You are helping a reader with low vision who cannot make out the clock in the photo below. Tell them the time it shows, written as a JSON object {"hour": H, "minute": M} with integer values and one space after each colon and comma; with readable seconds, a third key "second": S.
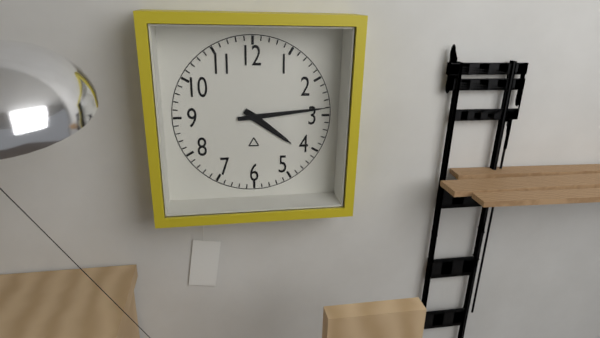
{"hour": 4, "minute": 14}
